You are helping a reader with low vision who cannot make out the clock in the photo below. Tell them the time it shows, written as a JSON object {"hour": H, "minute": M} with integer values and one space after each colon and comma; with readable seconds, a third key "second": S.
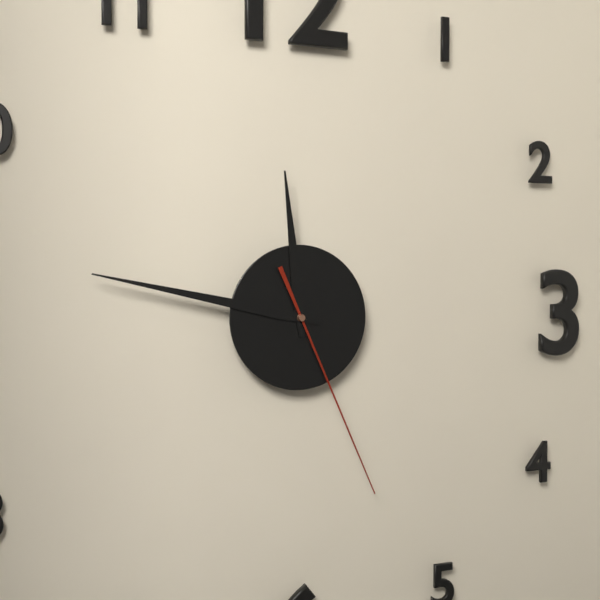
{"hour": 11, "minute": 47, "second": 26}
